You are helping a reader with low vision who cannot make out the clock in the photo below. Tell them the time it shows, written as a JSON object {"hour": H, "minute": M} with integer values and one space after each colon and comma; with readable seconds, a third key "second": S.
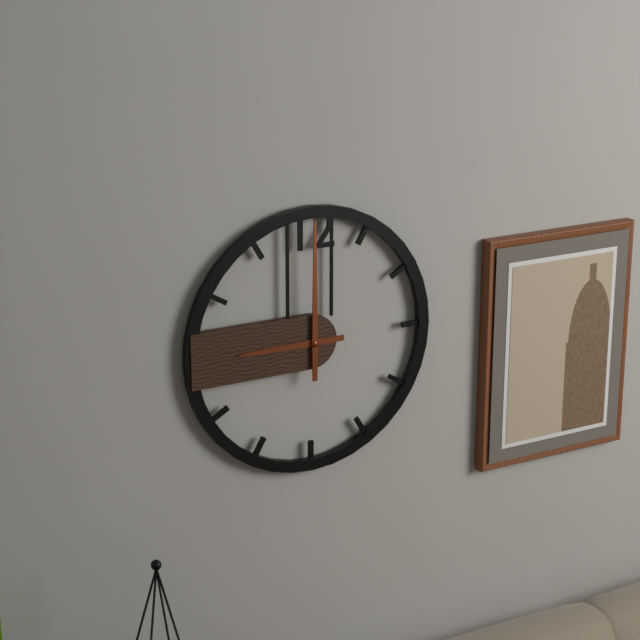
{"hour": 9, "minute": 0}
